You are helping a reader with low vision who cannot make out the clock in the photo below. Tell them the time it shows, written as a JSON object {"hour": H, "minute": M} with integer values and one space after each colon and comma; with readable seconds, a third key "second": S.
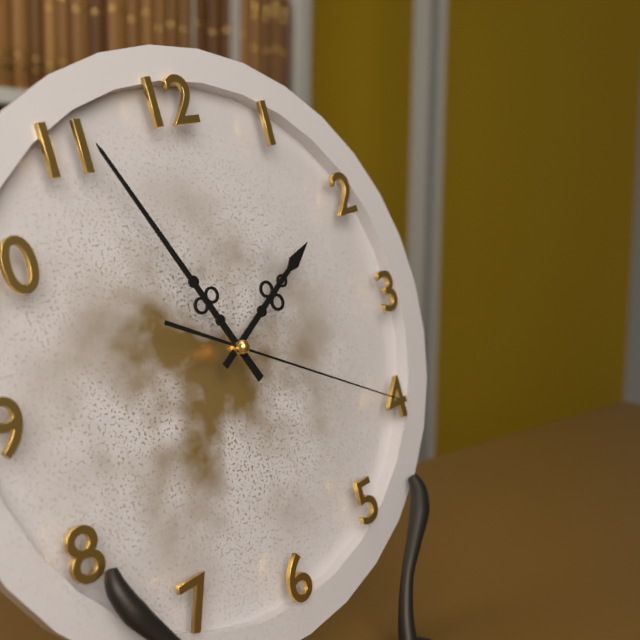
{"hour": 1, "minute": 56, "second": 20}
